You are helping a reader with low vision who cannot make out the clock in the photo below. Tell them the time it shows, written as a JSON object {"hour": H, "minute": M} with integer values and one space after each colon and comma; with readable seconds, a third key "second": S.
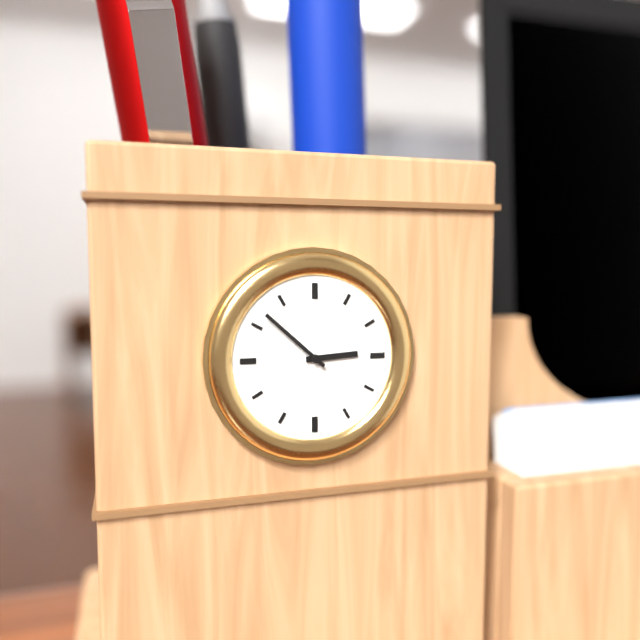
{"hour": 2, "minute": 52}
